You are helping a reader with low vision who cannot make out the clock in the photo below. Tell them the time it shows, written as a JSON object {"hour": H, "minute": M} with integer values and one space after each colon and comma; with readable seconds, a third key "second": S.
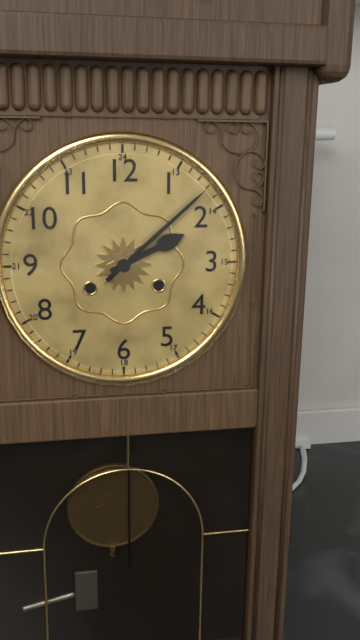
{"hour": 2, "minute": 8}
